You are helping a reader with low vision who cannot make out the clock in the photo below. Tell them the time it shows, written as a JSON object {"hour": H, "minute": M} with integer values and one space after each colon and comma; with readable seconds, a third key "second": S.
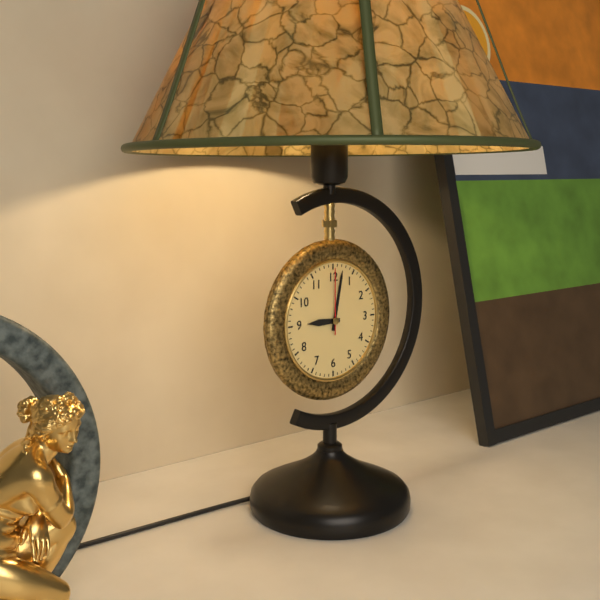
{"hour": 9, "minute": 2, "second": 0}
